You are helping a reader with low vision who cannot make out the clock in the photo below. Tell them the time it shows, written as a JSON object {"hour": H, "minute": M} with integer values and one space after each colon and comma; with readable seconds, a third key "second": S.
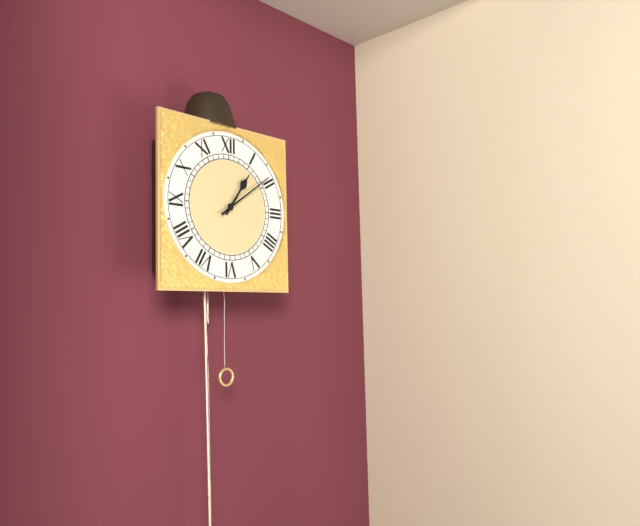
{"hour": 1, "minute": 9}
